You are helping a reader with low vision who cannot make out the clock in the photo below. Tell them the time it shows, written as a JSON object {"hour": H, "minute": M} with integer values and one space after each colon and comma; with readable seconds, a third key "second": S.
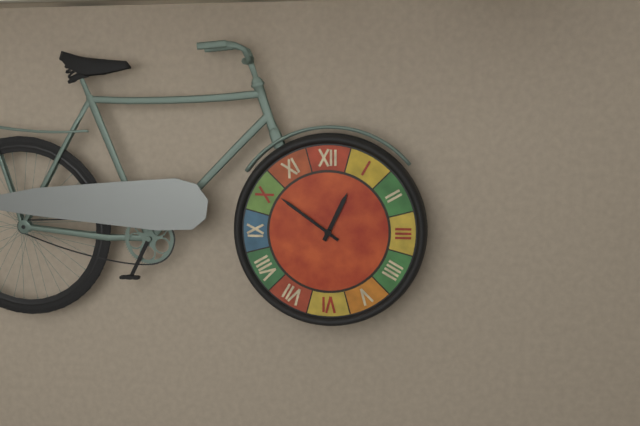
{"hour": 12, "minute": 51}
